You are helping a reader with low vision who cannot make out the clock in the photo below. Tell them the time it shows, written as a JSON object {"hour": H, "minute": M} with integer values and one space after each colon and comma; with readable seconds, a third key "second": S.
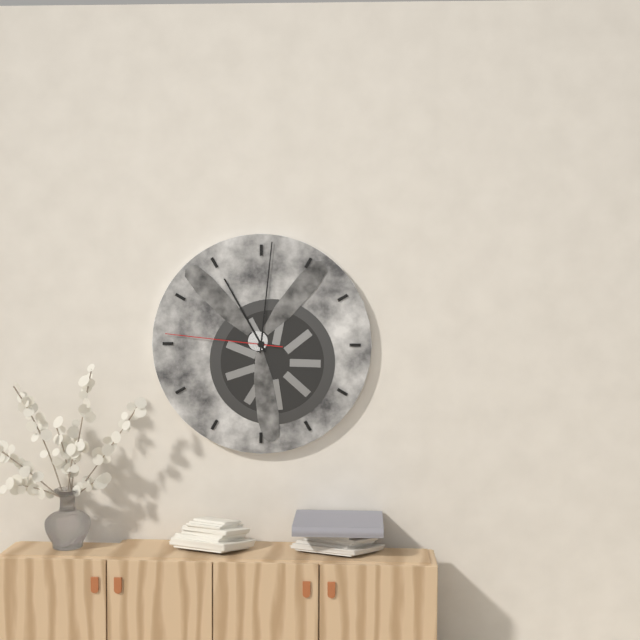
{"hour": 11, "minute": 1, "second": 46}
